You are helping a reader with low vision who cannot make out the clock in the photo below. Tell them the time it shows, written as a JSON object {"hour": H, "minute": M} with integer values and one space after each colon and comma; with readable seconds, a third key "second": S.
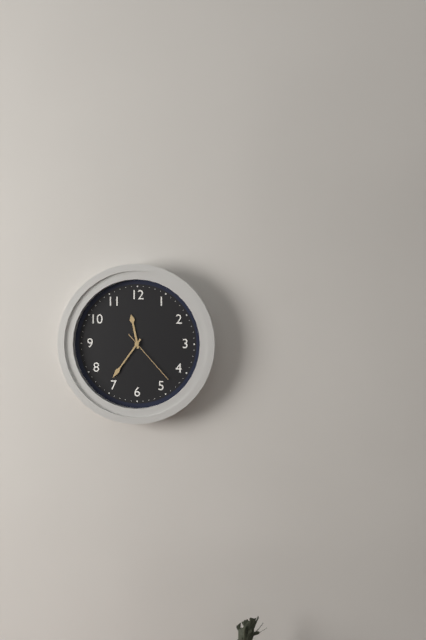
{"hour": 11, "minute": 36, "second": 23}
